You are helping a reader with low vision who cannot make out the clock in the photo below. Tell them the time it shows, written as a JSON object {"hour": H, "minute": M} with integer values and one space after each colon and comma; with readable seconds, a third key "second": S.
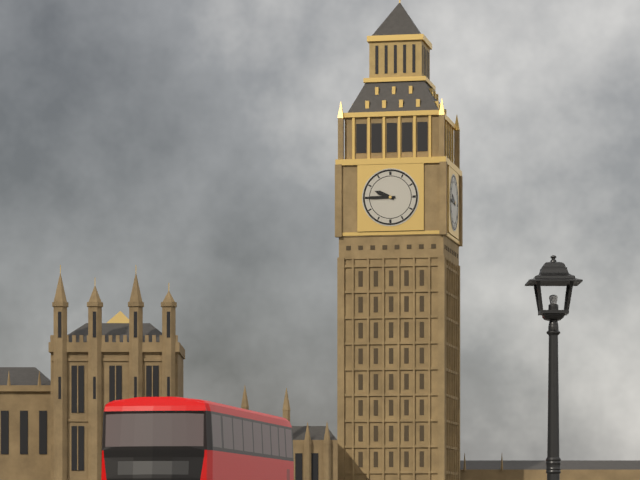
{"hour": 9, "minute": 45}
